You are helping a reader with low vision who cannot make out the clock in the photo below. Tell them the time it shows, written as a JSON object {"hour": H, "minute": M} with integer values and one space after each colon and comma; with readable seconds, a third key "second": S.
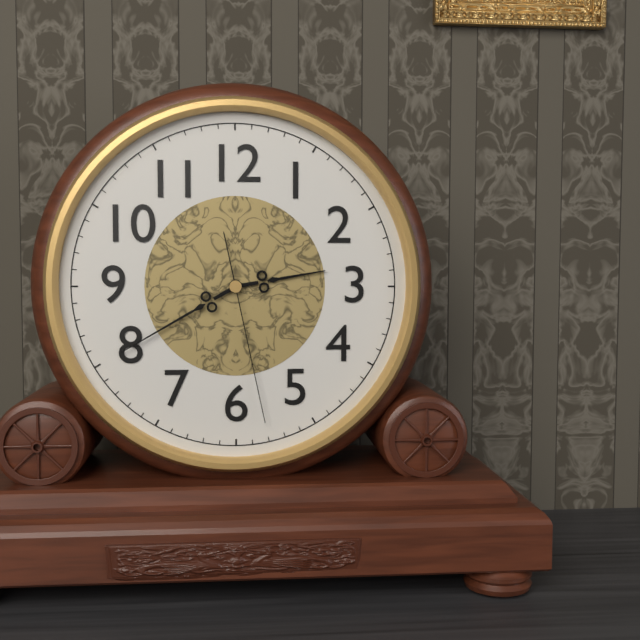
{"hour": 2, "minute": 40, "second": 28}
